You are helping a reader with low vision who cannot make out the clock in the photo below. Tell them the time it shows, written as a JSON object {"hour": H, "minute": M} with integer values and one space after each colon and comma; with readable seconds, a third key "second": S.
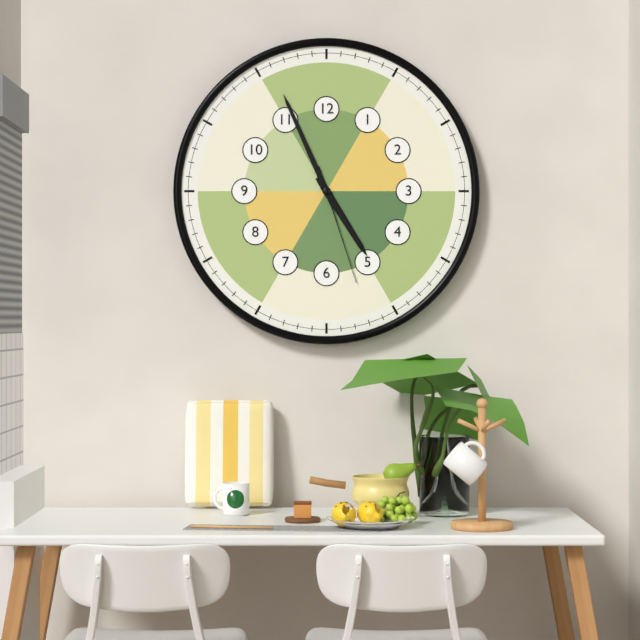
{"hour": 4, "minute": 56, "second": 27}
